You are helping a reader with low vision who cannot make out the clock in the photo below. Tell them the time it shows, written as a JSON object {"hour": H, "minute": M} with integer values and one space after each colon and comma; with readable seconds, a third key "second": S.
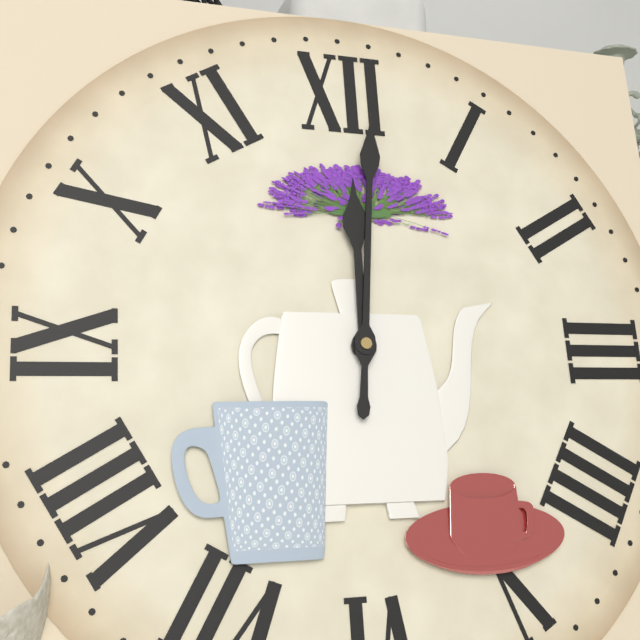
{"hour": 12, "minute": 1}
